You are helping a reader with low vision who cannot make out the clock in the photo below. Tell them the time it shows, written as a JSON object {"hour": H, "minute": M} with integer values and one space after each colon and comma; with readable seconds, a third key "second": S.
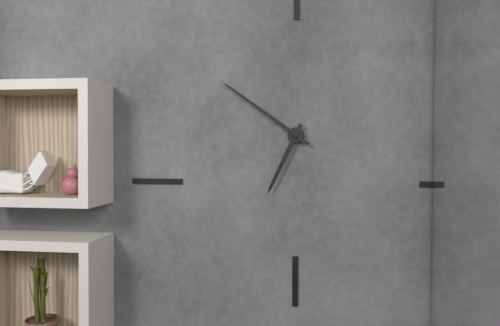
{"hour": 6, "minute": 51}
